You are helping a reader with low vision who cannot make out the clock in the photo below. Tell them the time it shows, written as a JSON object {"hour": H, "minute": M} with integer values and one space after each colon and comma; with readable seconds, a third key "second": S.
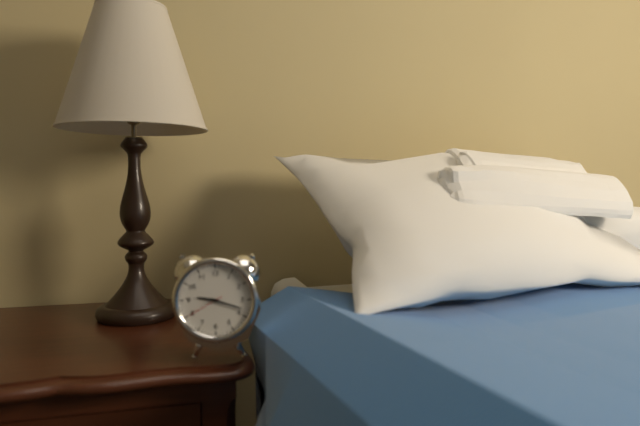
{"hour": 9, "minute": 18}
